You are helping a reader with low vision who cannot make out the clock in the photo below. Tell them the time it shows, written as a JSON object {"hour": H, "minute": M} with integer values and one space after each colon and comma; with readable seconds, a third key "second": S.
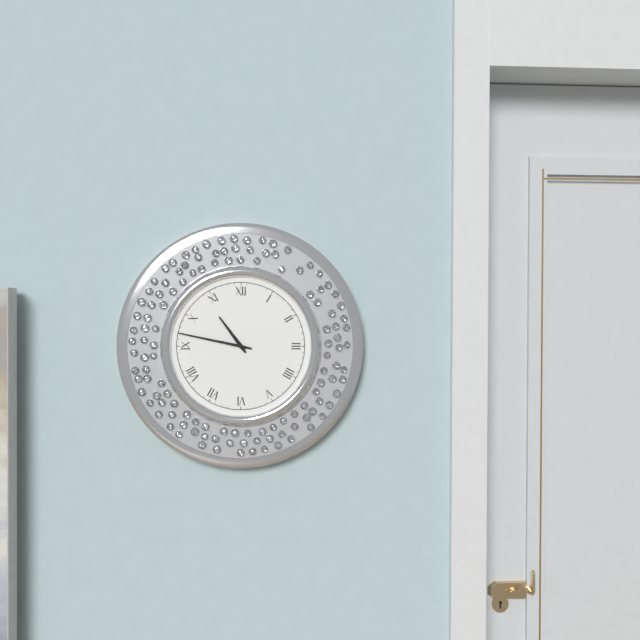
{"hour": 10, "minute": 47}
